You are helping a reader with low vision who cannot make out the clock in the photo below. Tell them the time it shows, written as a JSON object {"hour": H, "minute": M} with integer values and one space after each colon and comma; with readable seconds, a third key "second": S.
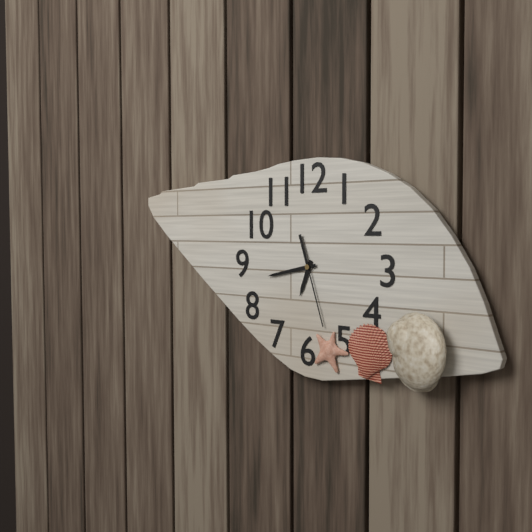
{"hour": 6, "minute": 43, "second": 27}
